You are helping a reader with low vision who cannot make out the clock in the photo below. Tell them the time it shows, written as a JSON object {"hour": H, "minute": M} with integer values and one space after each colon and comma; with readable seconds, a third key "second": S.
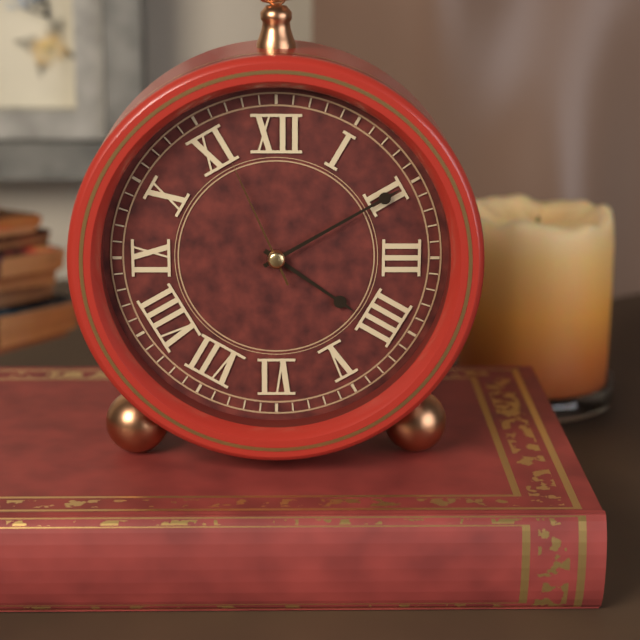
{"hour": 4, "minute": 10, "second": 56}
